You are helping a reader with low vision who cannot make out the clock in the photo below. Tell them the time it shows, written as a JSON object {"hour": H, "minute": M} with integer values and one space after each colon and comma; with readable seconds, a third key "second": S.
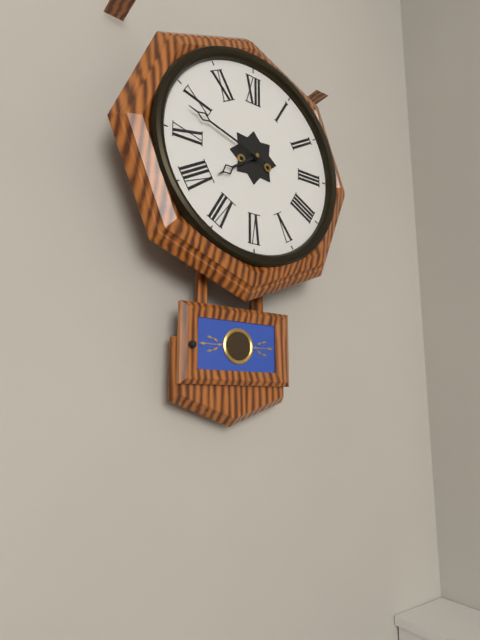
{"hour": 7, "minute": 48}
